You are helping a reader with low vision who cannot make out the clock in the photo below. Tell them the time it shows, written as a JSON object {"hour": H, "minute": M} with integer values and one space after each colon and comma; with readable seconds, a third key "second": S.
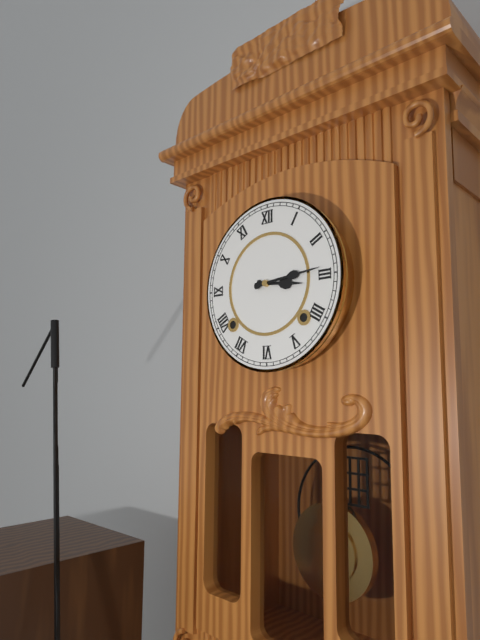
{"hour": 3, "minute": 14}
